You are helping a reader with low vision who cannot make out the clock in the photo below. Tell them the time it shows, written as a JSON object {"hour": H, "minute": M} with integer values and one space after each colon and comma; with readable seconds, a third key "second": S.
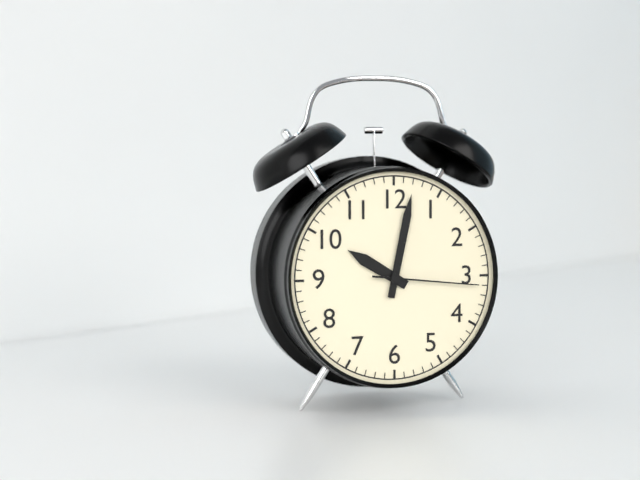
{"hour": 10, "minute": 2, "second": 16}
